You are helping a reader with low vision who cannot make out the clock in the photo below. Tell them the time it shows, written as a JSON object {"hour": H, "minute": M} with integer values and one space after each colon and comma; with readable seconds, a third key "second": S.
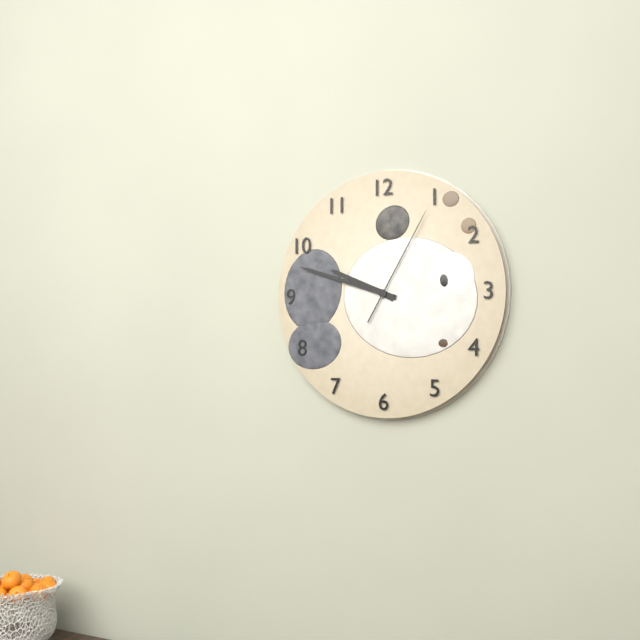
{"hour": 9, "minute": 48, "second": 5}
